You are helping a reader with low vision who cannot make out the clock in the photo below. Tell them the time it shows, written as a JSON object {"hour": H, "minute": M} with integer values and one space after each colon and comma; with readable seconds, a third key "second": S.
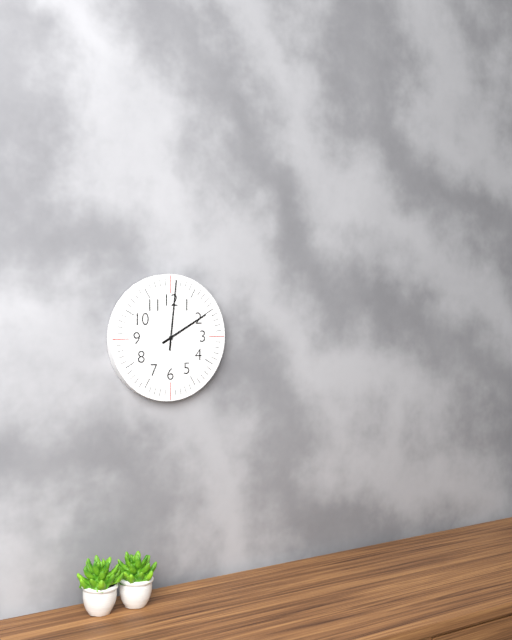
{"hour": 2, "minute": 1}
